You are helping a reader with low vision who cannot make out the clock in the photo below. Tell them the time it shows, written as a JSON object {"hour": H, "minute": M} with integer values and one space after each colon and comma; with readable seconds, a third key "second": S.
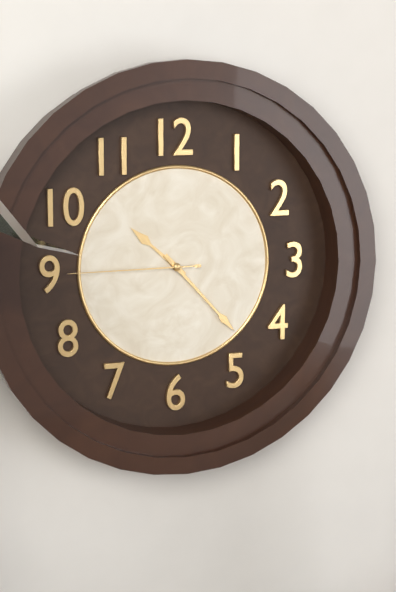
{"hour": 10, "minute": 23, "second": 45}
